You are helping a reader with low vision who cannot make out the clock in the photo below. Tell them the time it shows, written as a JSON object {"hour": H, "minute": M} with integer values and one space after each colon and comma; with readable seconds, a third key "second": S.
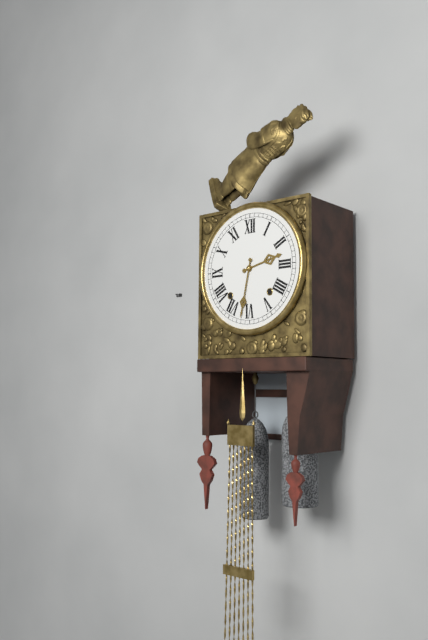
{"hour": 2, "minute": 32}
